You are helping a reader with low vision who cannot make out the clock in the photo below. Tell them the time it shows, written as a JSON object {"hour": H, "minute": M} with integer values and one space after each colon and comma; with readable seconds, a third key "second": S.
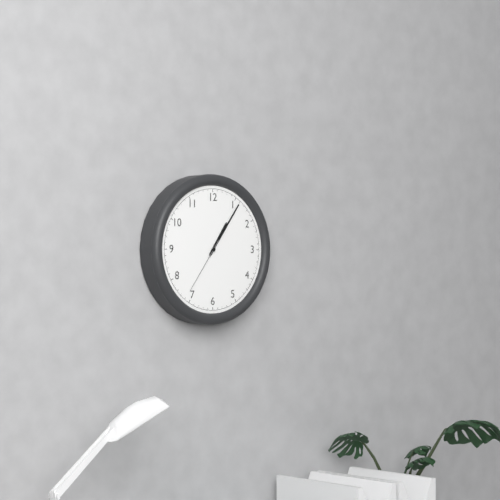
{"hour": 1, "minute": 6, "second": 36}
